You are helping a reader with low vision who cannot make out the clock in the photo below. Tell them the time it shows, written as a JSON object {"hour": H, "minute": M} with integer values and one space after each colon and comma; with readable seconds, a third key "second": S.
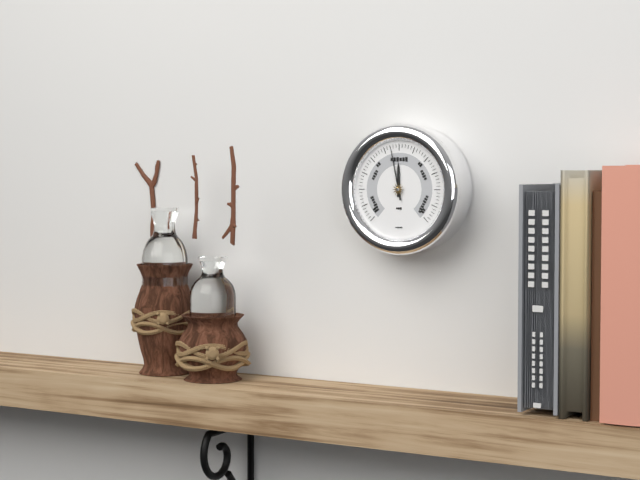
{"hour": 11, "minute": 58}
